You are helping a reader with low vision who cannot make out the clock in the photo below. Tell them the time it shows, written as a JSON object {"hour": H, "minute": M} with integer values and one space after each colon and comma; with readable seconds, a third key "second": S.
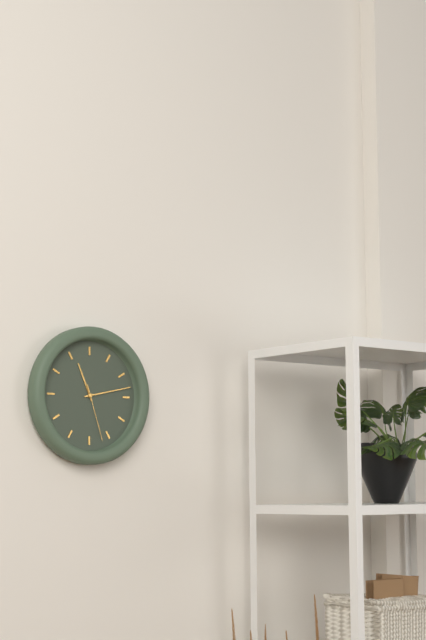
{"hour": 11, "minute": 13, "second": 27}
